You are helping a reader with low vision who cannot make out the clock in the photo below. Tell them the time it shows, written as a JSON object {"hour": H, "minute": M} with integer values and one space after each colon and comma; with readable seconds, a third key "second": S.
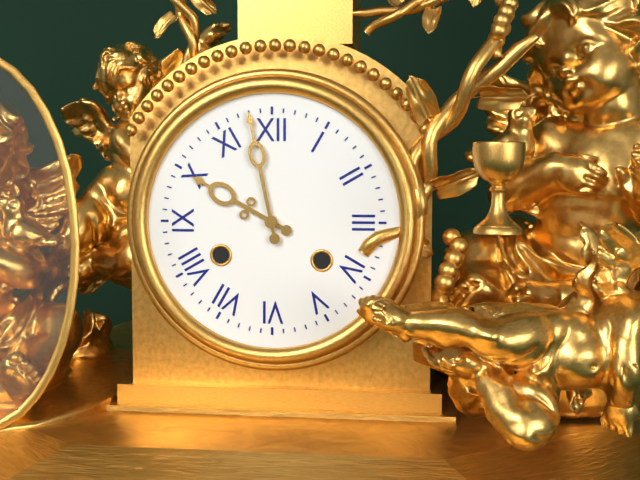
{"hour": 9, "minute": 58}
